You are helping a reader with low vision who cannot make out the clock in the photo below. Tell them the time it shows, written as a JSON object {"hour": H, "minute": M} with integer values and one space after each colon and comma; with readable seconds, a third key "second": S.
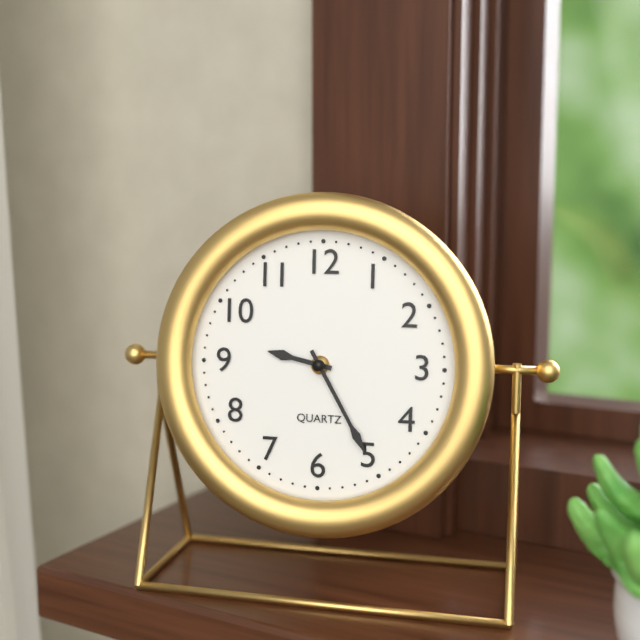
{"hour": 9, "minute": 25}
